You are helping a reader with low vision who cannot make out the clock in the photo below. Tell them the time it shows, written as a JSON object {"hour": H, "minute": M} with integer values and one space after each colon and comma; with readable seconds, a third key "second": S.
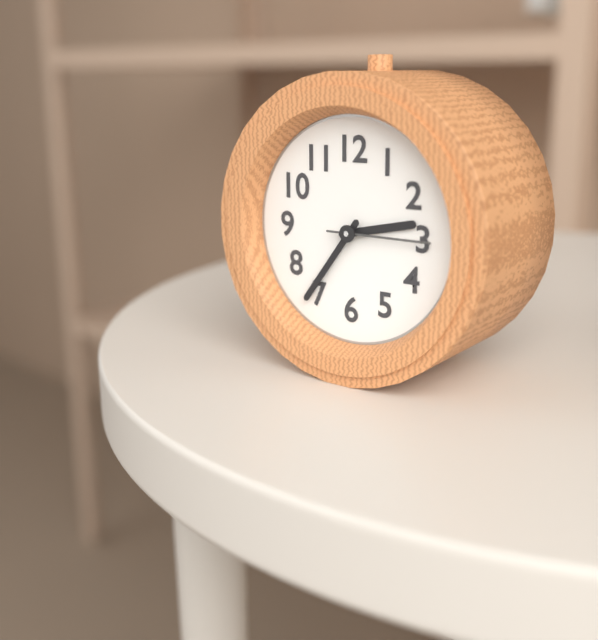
{"hour": 2, "minute": 36, "second": 15}
